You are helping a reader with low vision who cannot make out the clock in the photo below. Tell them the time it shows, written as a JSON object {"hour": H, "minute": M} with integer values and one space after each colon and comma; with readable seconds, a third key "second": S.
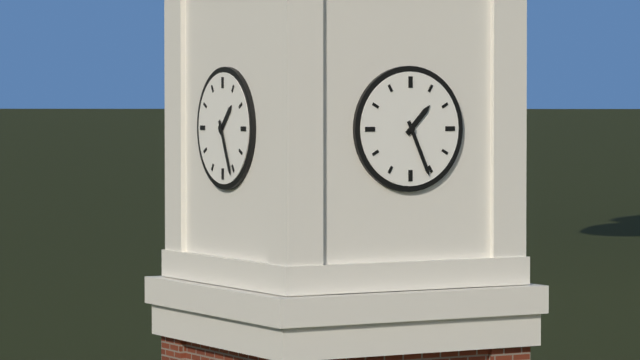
{"hour": 1, "minute": 26}
